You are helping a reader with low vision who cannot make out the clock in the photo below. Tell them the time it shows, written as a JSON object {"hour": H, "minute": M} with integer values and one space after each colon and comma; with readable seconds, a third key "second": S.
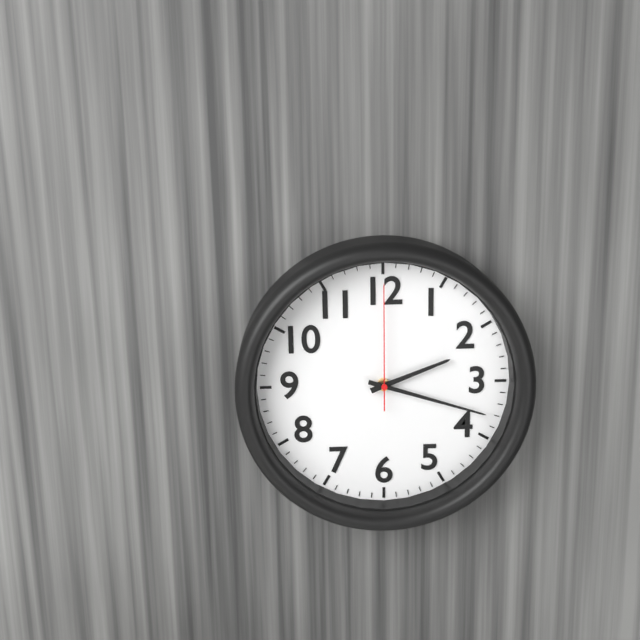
{"hour": 2, "minute": 18, "second": 0}
